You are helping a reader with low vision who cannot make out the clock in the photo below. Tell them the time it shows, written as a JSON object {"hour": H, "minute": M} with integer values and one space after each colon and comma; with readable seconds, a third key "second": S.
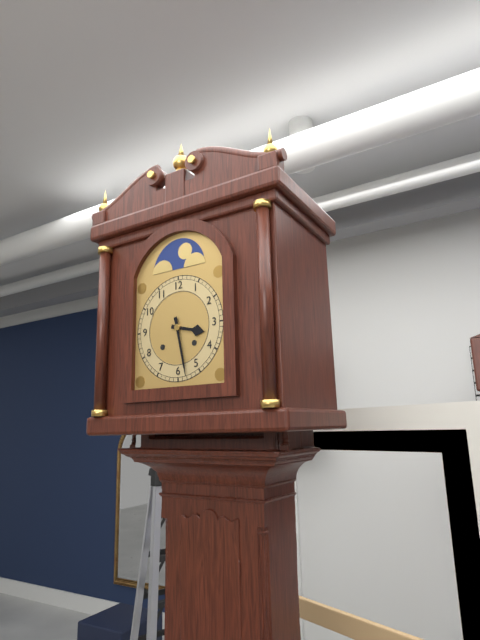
{"hour": 3, "minute": 28}
